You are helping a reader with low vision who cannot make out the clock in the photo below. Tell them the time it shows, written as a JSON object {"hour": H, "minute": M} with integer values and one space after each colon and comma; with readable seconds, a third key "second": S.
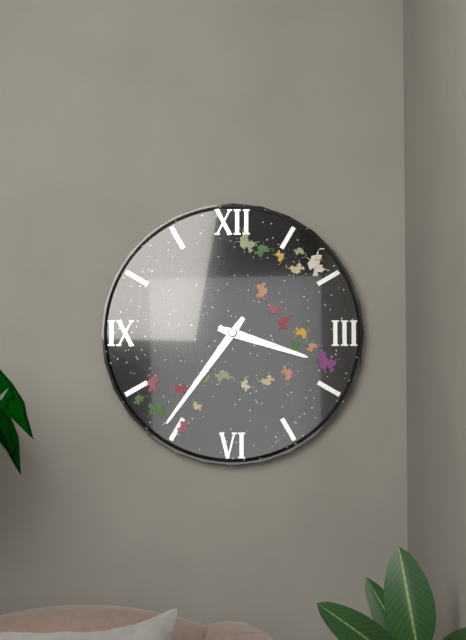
{"hour": 3, "minute": 36}
